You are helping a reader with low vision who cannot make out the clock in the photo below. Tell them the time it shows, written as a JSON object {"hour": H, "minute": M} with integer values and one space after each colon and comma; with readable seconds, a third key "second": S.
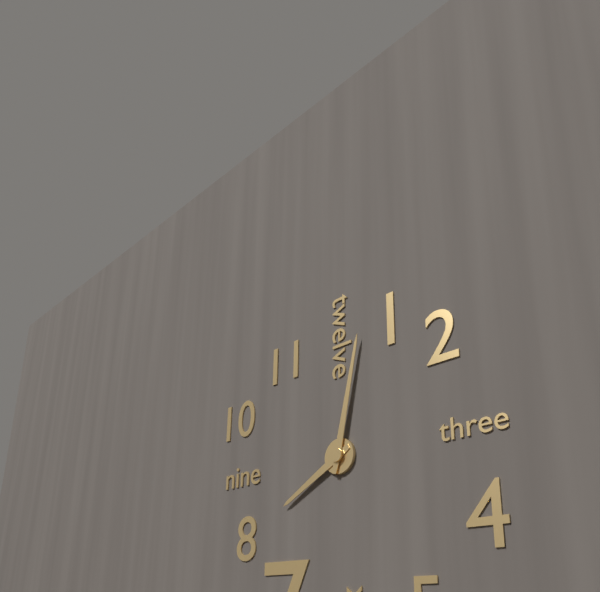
{"hour": 8, "minute": 2}
